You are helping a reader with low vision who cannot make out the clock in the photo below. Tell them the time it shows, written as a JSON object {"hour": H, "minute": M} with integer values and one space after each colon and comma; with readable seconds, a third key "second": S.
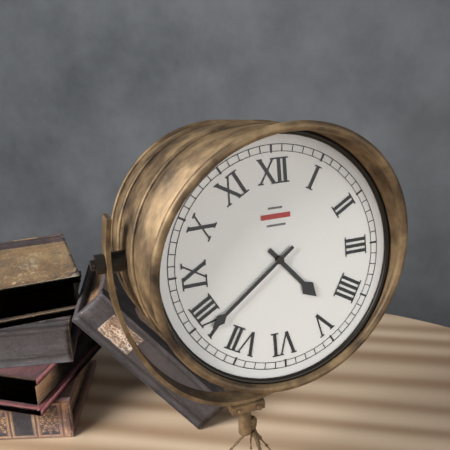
{"hour": 4, "minute": 39}
